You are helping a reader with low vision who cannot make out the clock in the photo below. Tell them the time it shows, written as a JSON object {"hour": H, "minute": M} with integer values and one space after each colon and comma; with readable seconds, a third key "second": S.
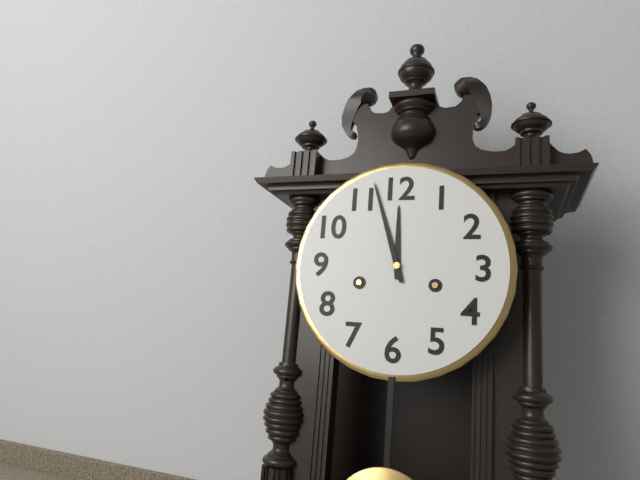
{"hour": 11, "minute": 57}
